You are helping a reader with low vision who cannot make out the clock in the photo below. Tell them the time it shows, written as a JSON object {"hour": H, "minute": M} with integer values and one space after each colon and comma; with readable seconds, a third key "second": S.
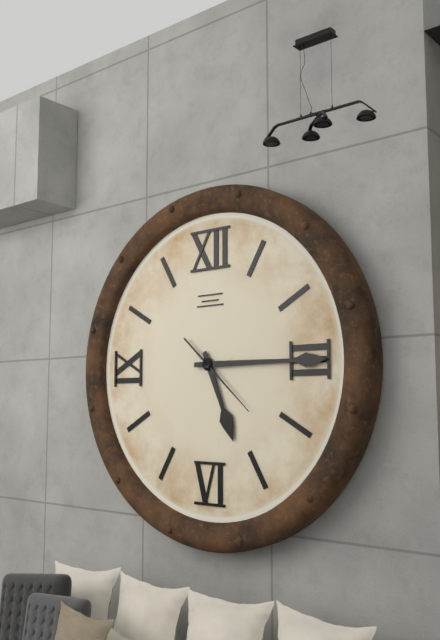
{"hour": 5, "minute": 15, "second": 22}
